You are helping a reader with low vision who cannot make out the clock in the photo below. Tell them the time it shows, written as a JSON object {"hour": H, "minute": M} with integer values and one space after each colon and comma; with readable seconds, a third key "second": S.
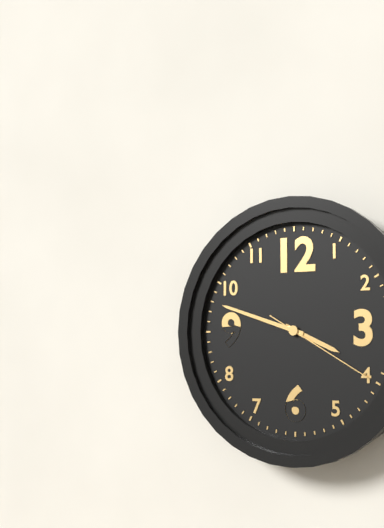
{"hour": 3, "minute": 48, "second": 20}
